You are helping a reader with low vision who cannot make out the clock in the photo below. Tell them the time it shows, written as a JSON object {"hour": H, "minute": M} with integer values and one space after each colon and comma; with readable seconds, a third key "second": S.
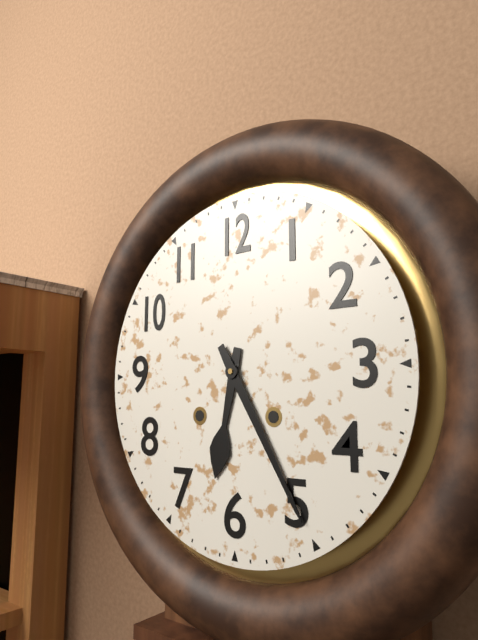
{"hour": 6, "minute": 25}
